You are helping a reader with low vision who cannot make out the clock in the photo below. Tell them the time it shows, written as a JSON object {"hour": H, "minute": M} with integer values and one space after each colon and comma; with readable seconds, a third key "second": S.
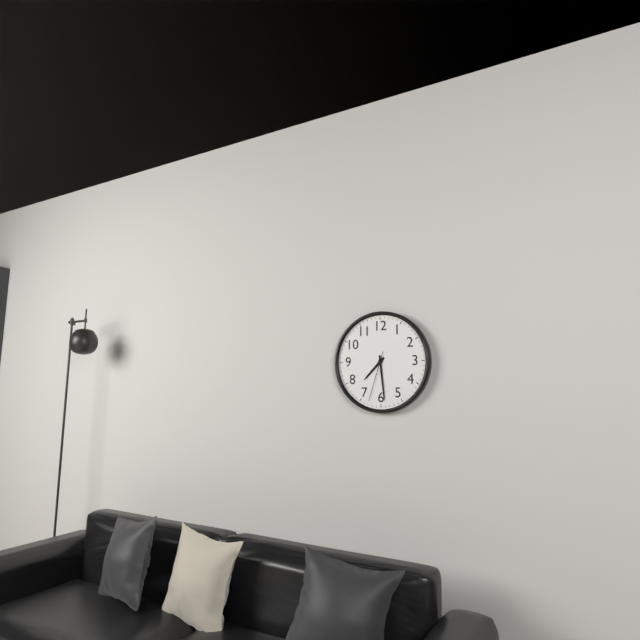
{"hour": 7, "minute": 29, "second": 33}
